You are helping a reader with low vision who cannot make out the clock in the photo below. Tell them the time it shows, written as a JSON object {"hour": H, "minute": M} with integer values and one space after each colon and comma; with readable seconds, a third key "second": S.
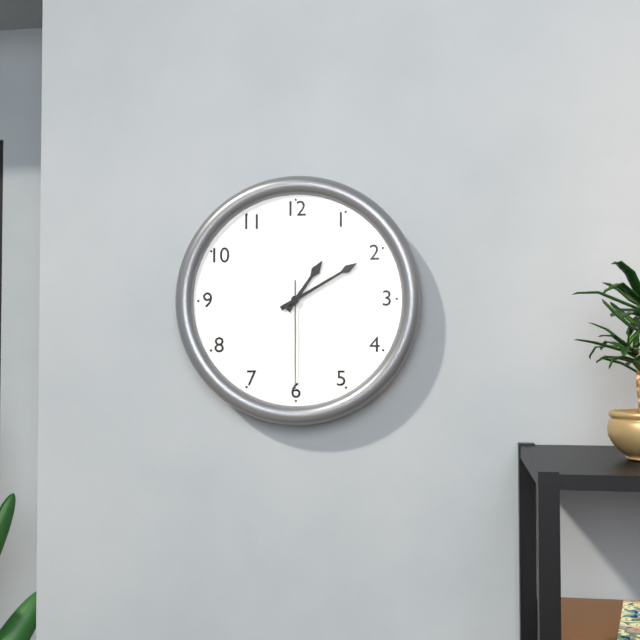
{"hour": 1, "minute": 10, "second": 30}
